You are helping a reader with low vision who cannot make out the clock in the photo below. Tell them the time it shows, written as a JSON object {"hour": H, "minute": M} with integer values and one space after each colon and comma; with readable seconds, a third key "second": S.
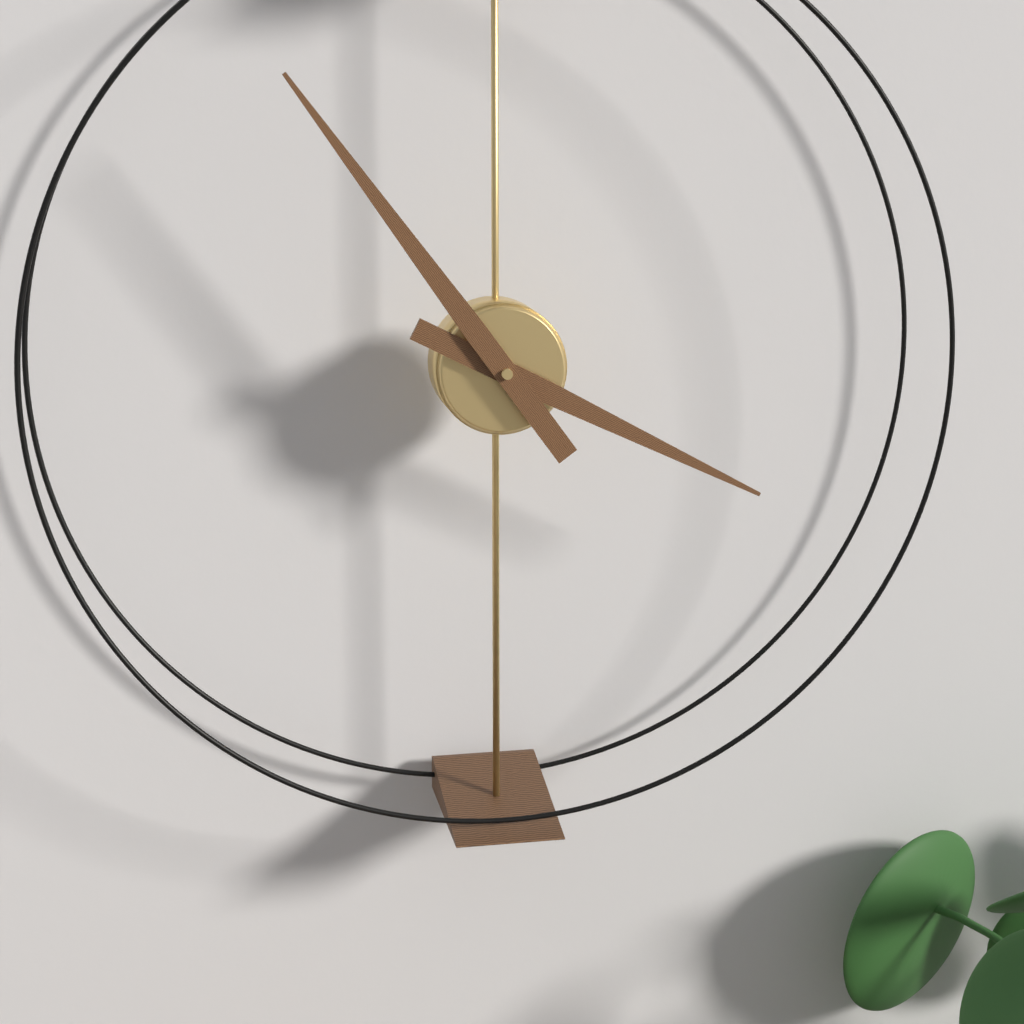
{"hour": 3, "minute": 54}
